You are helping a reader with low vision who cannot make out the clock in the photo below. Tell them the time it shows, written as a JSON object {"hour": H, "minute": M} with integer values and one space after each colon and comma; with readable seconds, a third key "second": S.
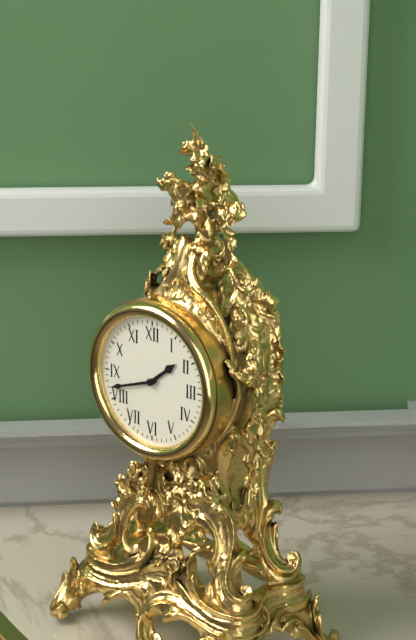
{"hour": 1, "minute": 42}
